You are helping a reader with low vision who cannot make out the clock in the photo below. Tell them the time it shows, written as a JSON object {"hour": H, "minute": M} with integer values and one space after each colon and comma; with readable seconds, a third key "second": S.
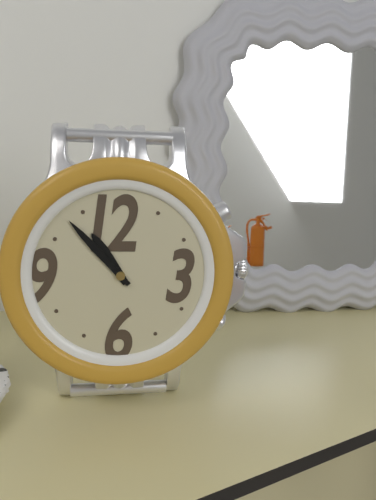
{"hour": 10, "minute": 53}
